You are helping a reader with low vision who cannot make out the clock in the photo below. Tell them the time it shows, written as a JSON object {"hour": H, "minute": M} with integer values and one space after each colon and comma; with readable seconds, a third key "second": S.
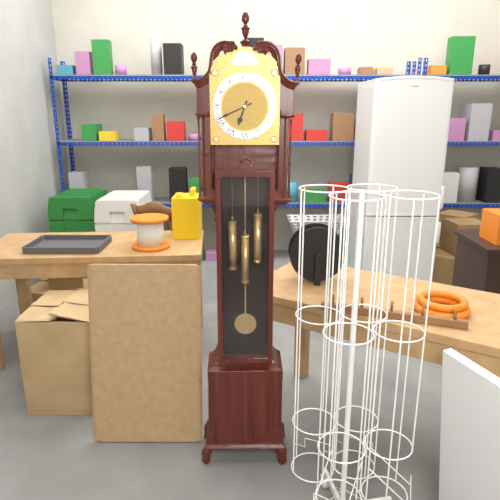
{"hour": 6, "minute": 41}
